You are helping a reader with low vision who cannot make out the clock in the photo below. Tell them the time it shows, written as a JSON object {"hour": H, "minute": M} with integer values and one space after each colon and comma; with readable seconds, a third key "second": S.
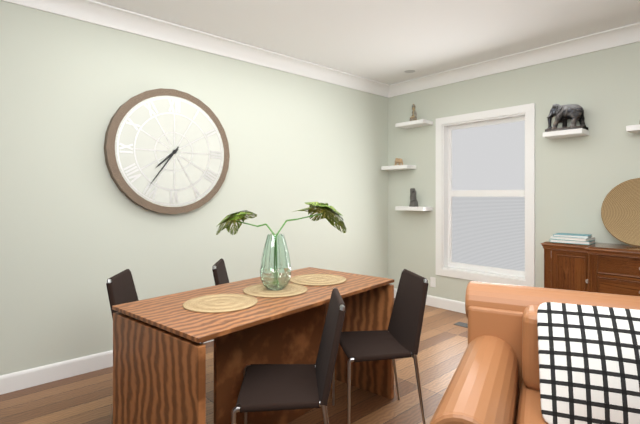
{"hour": 7, "minute": 36}
